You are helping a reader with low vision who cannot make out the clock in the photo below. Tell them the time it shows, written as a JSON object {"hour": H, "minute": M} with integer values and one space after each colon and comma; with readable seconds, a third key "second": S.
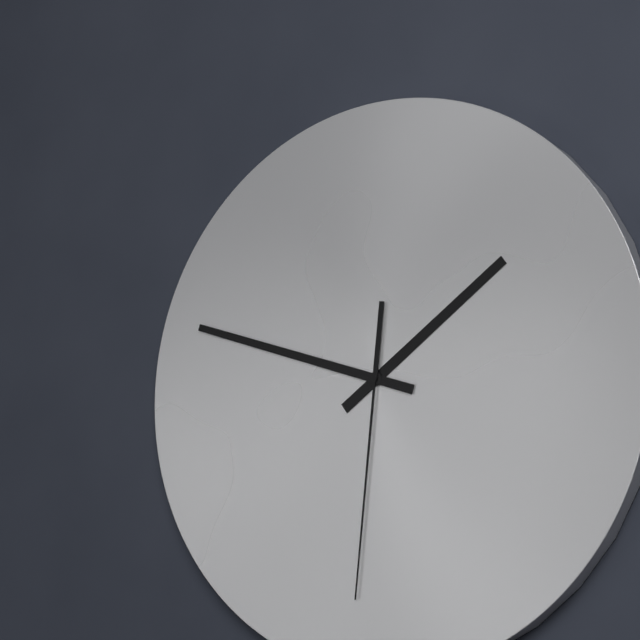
{"hour": 1, "minute": 48, "second": 31}
